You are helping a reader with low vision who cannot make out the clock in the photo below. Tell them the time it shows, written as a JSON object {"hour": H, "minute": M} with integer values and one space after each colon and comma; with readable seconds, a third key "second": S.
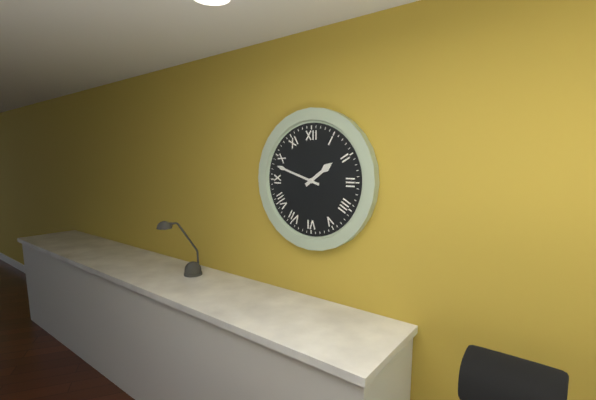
{"hour": 1, "minute": 48}
